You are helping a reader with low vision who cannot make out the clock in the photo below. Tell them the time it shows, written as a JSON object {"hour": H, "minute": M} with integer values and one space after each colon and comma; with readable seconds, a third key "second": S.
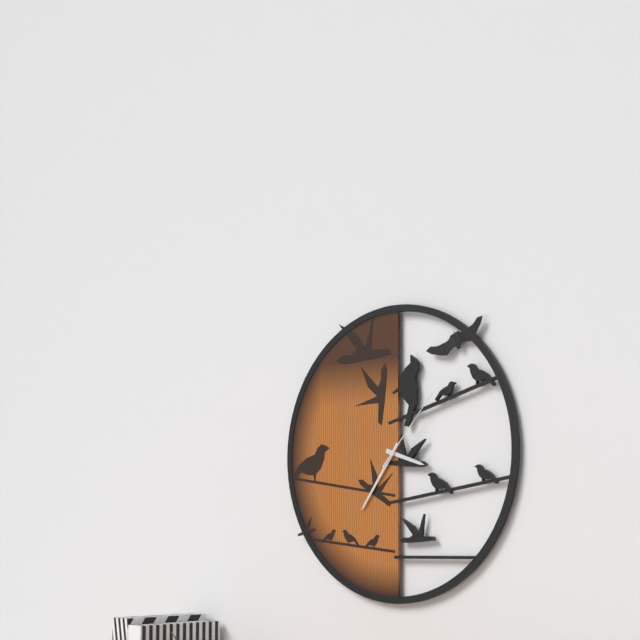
{"hour": 3, "minute": 36, "second": 7}
